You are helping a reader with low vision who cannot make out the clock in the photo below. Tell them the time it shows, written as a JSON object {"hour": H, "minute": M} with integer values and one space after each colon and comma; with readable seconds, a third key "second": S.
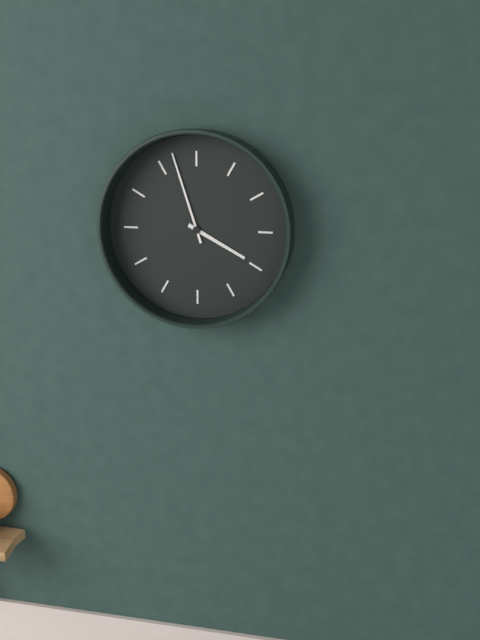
{"hour": 3, "minute": 57}
